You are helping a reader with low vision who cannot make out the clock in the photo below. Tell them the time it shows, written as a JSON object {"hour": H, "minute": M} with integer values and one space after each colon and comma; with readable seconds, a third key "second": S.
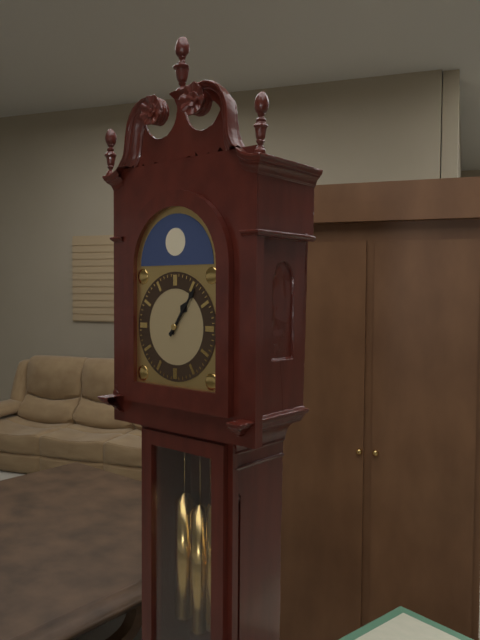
{"hour": 1, "minute": 6}
